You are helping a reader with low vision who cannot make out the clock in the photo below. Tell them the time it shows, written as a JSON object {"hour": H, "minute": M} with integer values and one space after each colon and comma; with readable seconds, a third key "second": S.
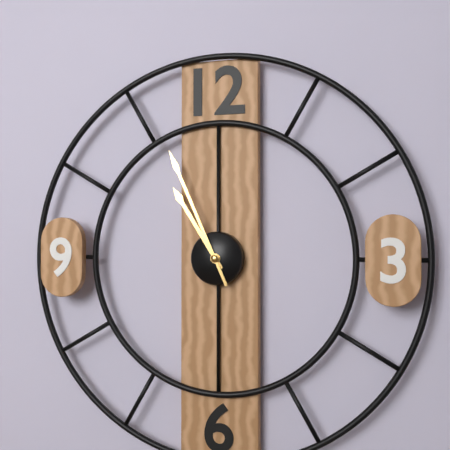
{"hour": 10, "minute": 56}
